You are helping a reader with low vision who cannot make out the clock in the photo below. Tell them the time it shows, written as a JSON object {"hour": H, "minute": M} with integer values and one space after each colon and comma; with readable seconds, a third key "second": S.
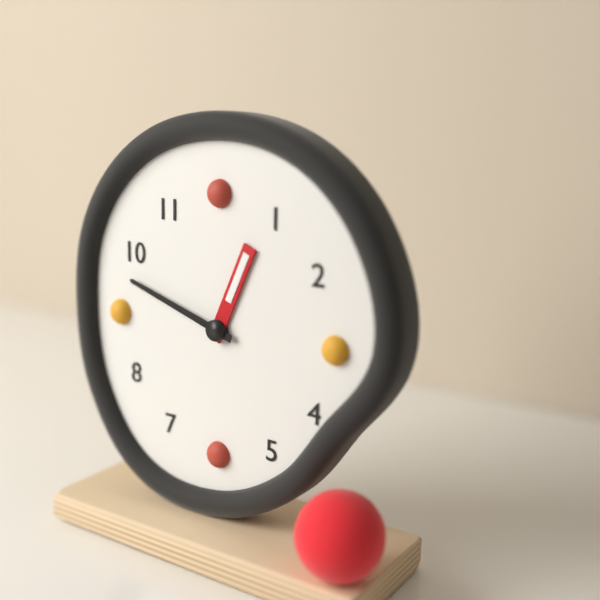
{"hour": 12, "minute": 48}
